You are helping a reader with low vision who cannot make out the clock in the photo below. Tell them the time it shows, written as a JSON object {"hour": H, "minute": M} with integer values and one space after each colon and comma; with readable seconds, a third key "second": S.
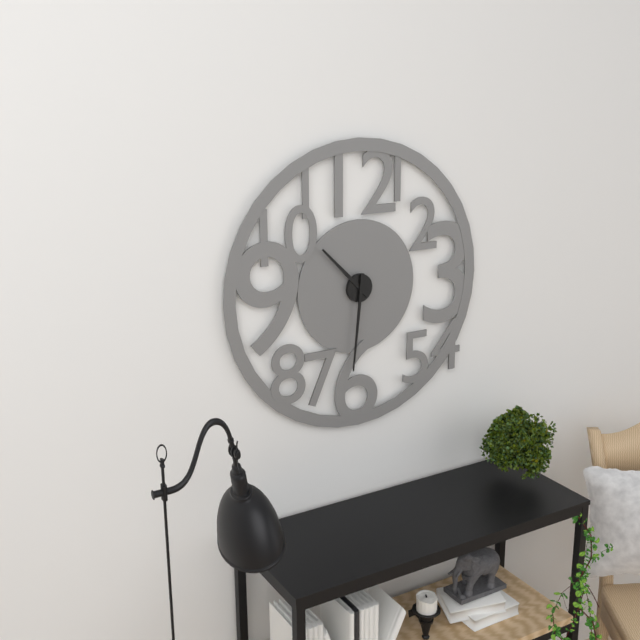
{"hour": 10, "minute": 31}
